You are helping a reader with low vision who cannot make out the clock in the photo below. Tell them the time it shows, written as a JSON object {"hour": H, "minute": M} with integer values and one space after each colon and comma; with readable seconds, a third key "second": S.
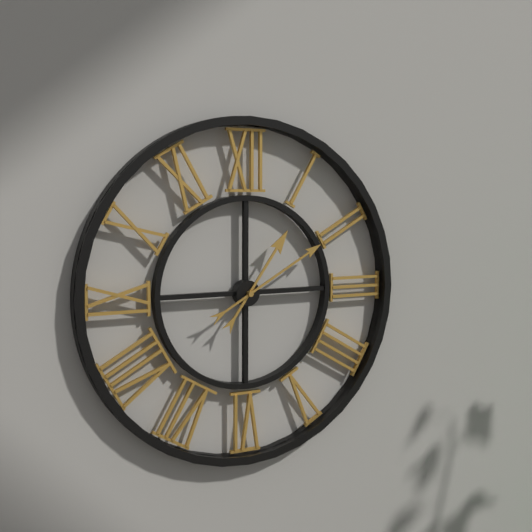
{"hour": 1, "minute": 10}
